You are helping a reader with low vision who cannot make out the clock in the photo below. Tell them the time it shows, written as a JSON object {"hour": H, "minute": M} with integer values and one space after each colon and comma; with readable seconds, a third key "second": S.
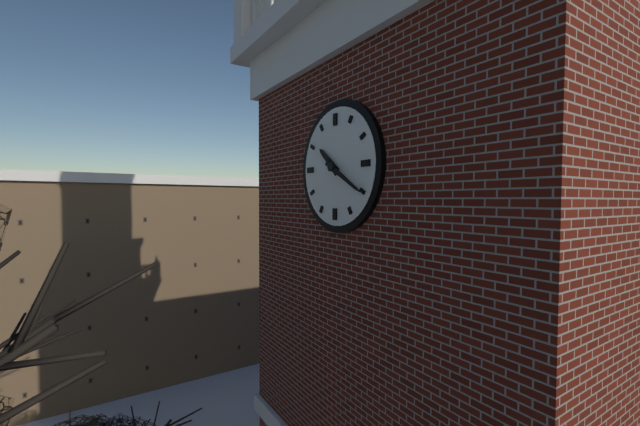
{"hour": 10, "minute": 20}
